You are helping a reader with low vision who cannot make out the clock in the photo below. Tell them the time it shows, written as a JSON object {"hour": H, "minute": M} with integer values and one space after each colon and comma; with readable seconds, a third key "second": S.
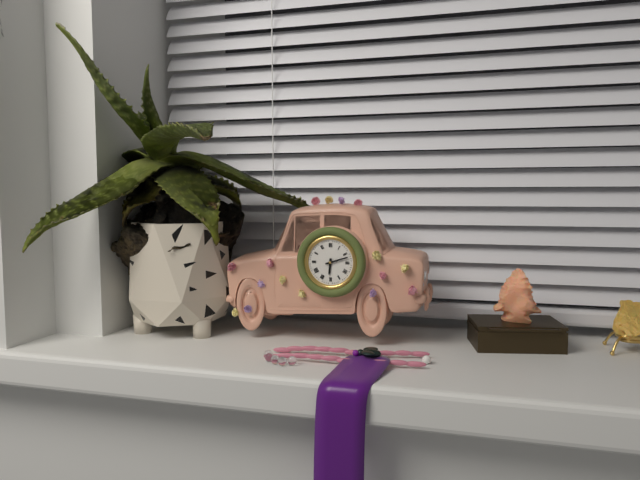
{"hour": 6, "minute": 12}
